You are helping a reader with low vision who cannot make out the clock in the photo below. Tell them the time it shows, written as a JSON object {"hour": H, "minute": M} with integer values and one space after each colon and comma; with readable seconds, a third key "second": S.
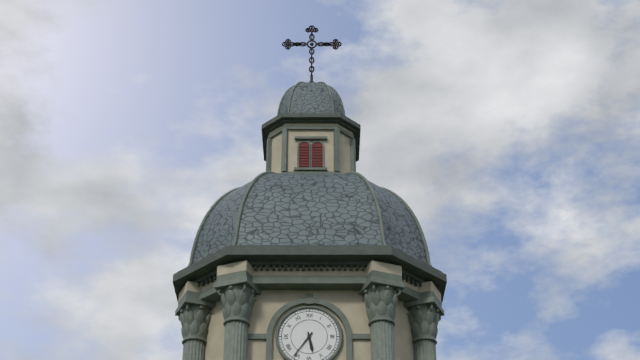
{"hour": 5, "minute": 36}
